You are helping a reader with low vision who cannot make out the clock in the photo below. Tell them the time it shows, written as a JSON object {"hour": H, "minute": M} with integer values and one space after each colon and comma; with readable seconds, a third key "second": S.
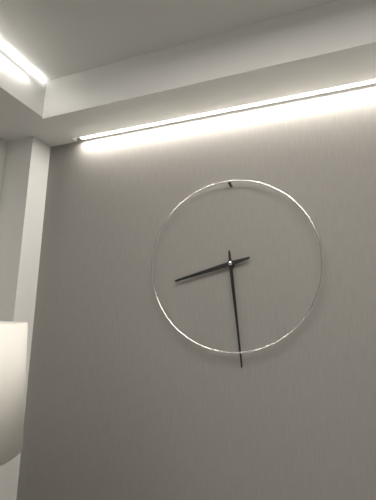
{"hour": 8, "minute": 29}
